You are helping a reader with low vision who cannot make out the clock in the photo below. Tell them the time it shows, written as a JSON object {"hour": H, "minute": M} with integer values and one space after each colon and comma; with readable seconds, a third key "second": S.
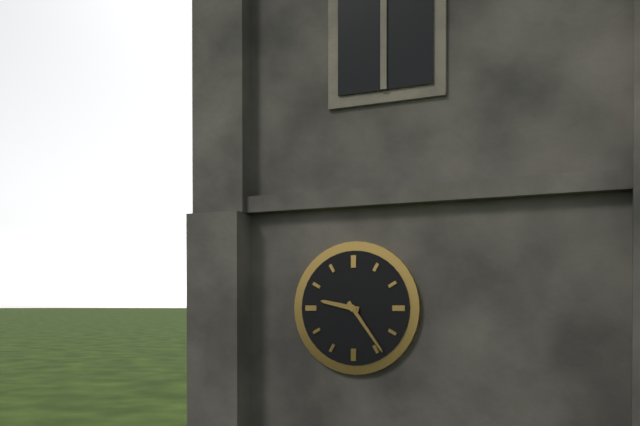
{"hour": 9, "minute": 24}
